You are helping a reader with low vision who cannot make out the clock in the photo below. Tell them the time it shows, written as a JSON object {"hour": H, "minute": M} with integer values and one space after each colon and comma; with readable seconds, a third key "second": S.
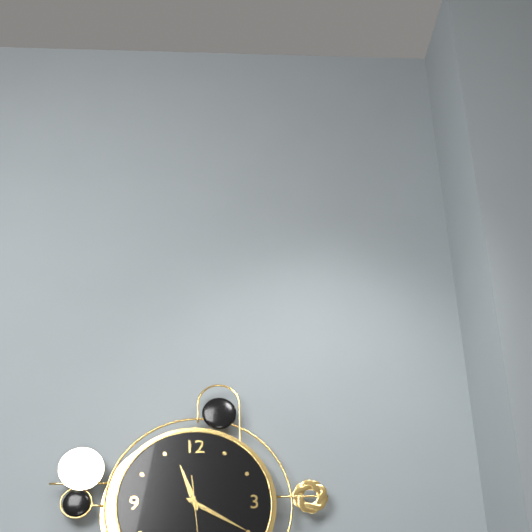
{"hour": 11, "minute": 20}
